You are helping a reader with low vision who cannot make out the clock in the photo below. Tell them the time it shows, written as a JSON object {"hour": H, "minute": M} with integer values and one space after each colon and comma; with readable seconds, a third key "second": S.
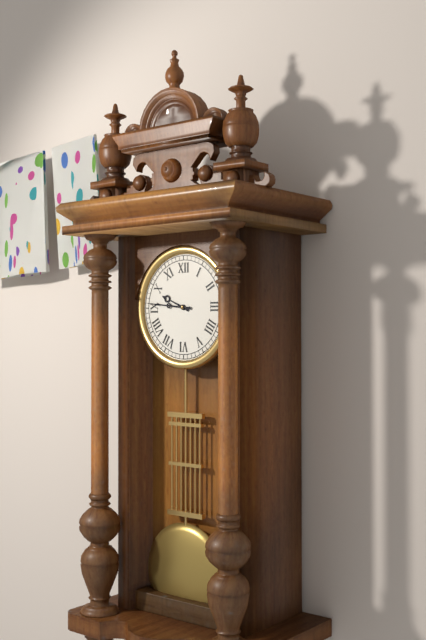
{"hour": 9, "minute": 46}
